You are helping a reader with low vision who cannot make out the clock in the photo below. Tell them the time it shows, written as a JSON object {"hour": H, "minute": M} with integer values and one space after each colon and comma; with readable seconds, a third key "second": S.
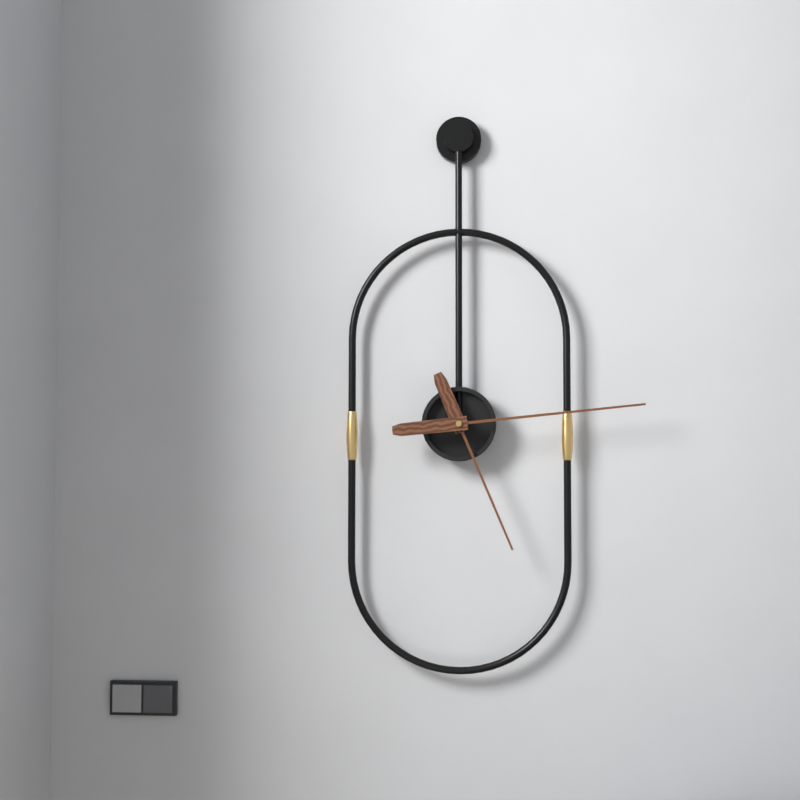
{"hour": 5, "minute": 14}
